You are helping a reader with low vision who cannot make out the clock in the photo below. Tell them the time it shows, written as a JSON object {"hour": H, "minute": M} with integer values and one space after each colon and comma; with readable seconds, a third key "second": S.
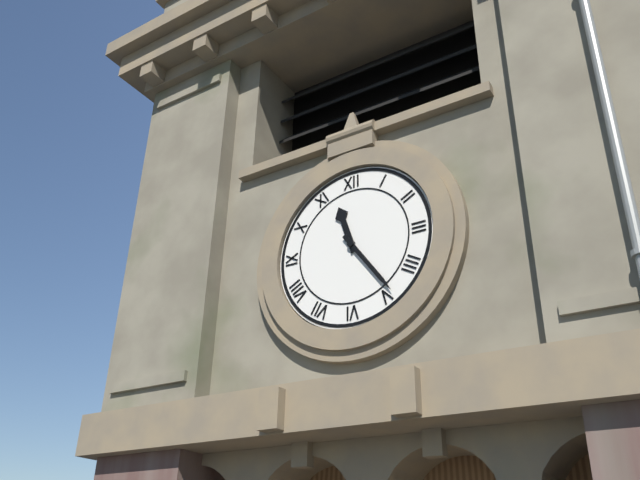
{"hour": 11, "minute": 24}
